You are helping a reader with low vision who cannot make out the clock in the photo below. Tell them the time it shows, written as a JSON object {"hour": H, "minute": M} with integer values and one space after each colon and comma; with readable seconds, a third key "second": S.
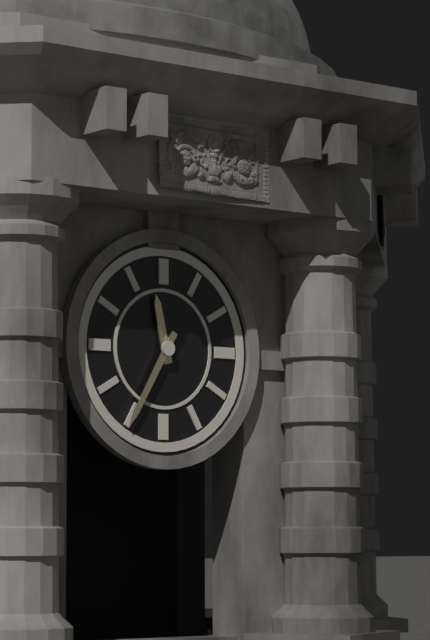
{"hour": 11, "minute": 35}
